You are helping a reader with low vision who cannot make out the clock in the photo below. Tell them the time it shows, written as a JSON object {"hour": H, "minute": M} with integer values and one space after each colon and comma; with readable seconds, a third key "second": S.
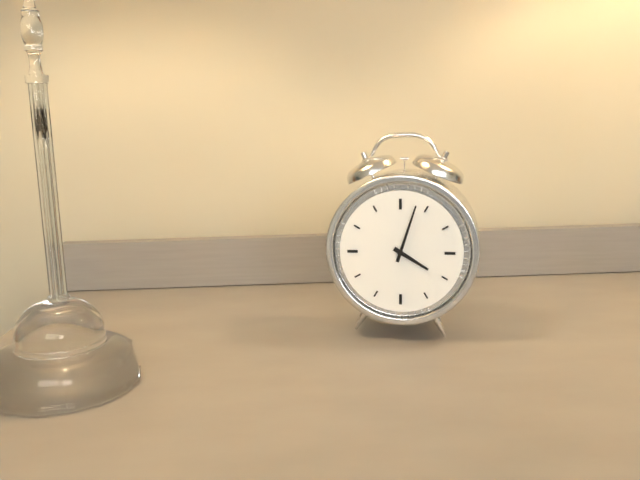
{"hour": 4, "minute": 3}
